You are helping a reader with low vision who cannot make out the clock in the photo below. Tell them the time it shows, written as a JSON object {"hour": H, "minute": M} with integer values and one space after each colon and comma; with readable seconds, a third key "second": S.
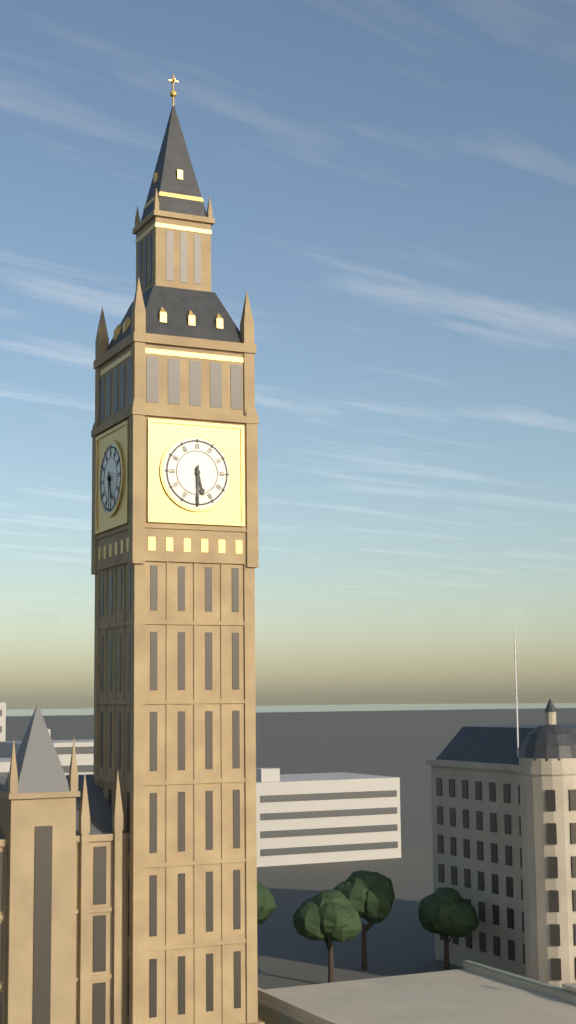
{"hour": 5, "minute": 30}
